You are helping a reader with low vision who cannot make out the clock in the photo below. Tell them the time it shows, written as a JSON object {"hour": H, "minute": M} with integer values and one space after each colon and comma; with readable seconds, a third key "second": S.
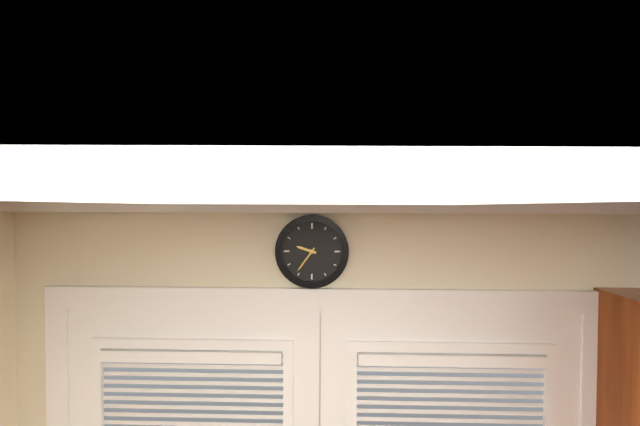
{"hour": 9, "minute": 36}
